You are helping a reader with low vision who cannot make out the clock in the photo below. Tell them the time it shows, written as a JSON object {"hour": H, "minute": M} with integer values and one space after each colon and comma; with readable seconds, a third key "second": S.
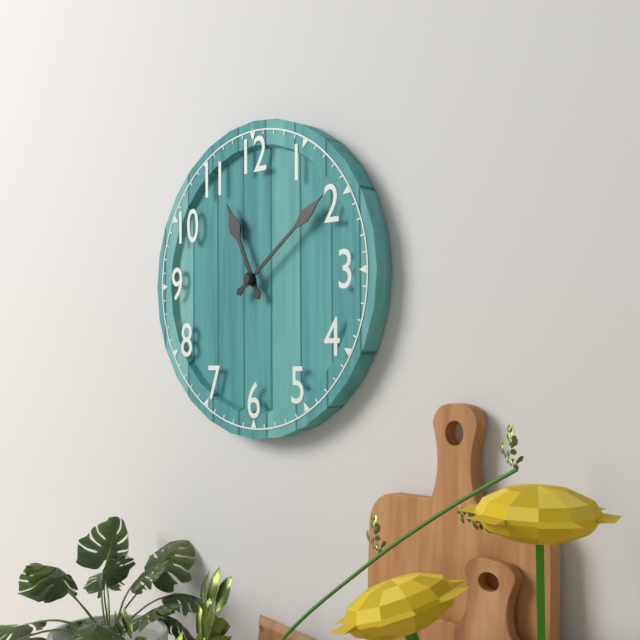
{"hour": 11, "minute": 9}
